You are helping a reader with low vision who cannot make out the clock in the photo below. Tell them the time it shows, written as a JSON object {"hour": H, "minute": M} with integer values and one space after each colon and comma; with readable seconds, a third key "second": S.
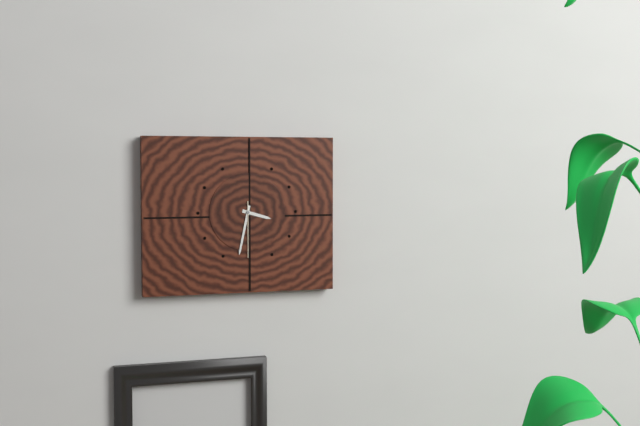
{"hour": 3, "minute": 32, "second": 30}
